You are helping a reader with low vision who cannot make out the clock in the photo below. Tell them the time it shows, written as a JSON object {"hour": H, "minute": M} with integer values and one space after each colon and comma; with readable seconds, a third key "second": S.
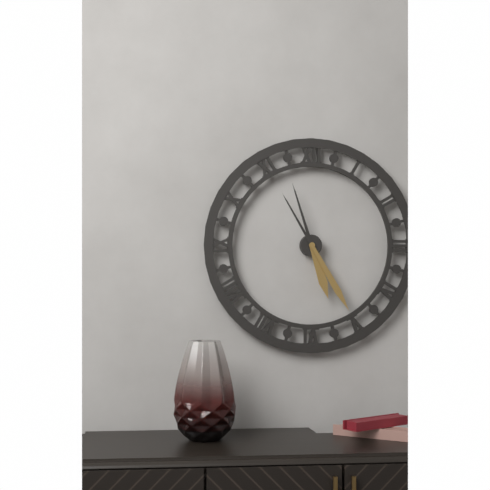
{"hour": 5, "minute": 25}
